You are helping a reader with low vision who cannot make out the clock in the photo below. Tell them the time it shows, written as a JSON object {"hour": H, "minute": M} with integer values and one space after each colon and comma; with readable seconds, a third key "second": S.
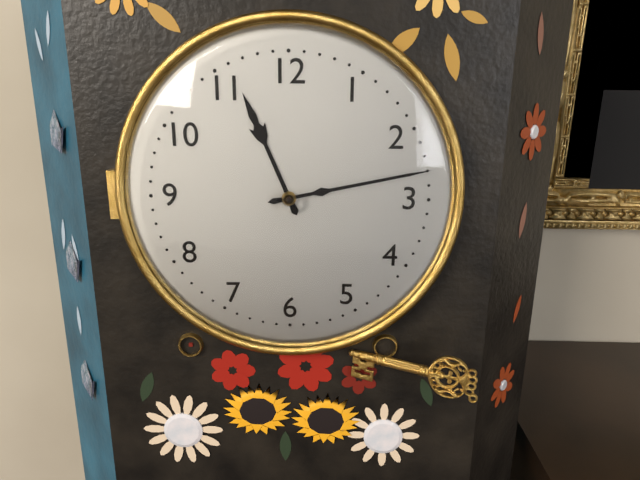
{"hour": 11, "minute": 13}
